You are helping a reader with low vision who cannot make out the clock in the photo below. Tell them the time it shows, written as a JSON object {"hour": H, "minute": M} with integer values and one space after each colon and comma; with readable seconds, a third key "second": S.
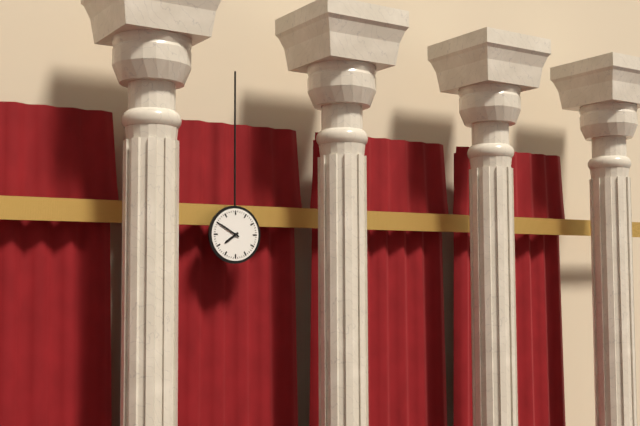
{"hour": 7, "minute": 50}
